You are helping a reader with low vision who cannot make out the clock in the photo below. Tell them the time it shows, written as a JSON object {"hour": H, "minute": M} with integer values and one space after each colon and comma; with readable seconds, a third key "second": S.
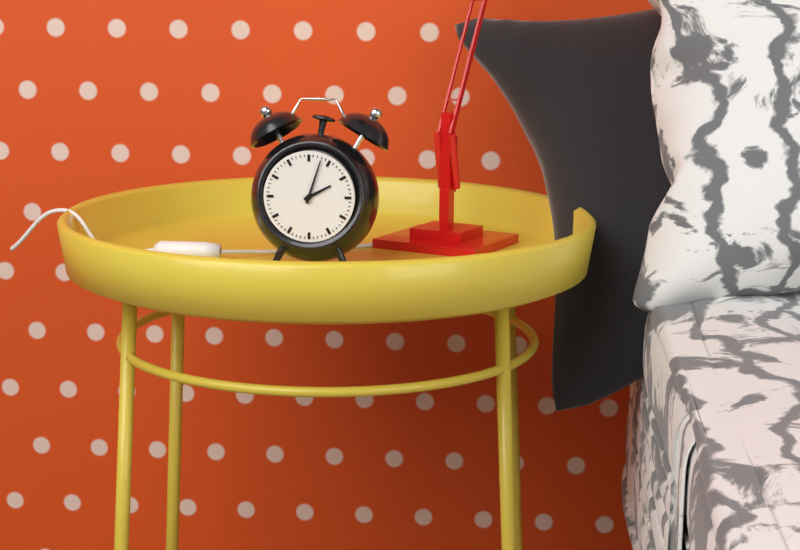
{"hour": 2, "minute": 3}
